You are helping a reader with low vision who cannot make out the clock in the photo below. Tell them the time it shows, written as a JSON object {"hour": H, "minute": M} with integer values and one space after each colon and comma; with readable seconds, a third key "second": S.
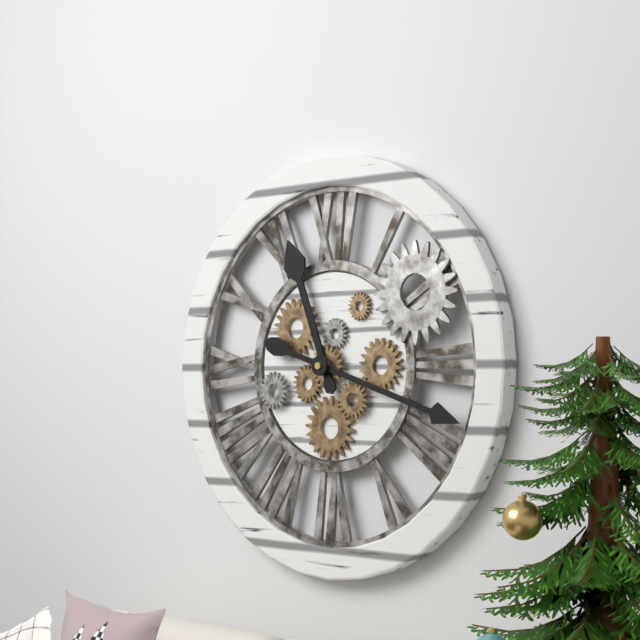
{"hour": 11, "minute": 18}
